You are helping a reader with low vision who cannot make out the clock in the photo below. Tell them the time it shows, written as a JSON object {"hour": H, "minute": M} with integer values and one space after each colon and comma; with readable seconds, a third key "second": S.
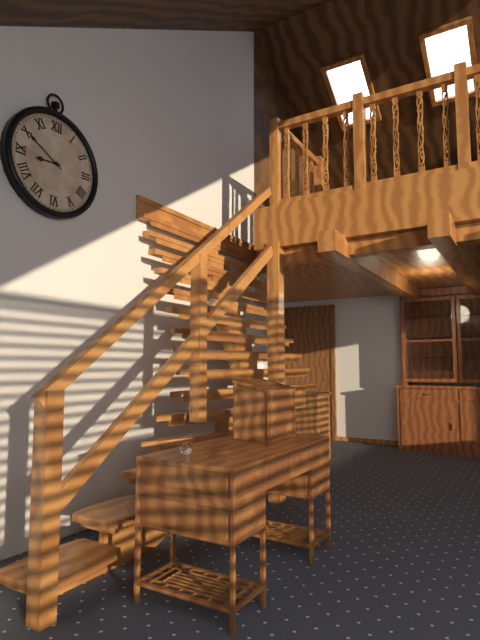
{"hour": 8, "minute": 50}
